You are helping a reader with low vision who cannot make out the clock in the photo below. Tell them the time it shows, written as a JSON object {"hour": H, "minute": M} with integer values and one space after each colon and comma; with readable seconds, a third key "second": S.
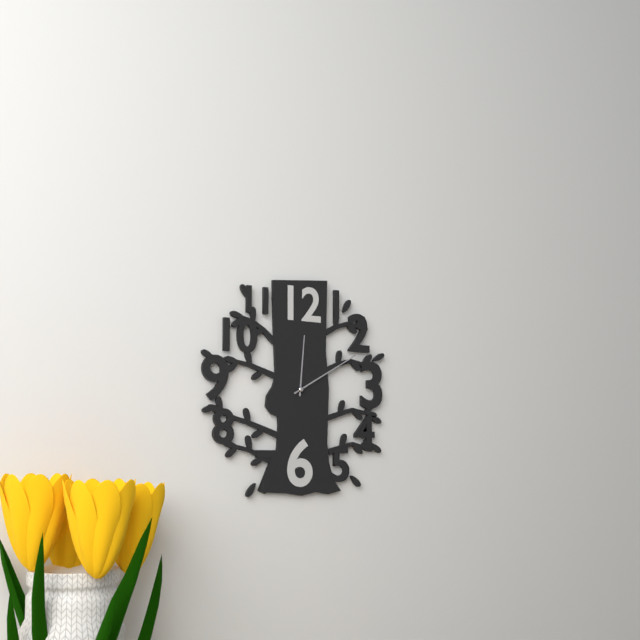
{"hour": 12, "minute": 10}
